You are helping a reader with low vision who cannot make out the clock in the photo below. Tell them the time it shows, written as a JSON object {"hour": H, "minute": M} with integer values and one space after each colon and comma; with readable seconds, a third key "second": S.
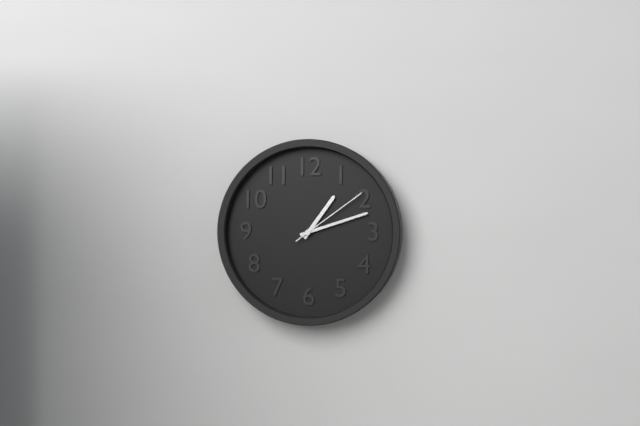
{"hour": 1, "minute": 12, "second": 9}
